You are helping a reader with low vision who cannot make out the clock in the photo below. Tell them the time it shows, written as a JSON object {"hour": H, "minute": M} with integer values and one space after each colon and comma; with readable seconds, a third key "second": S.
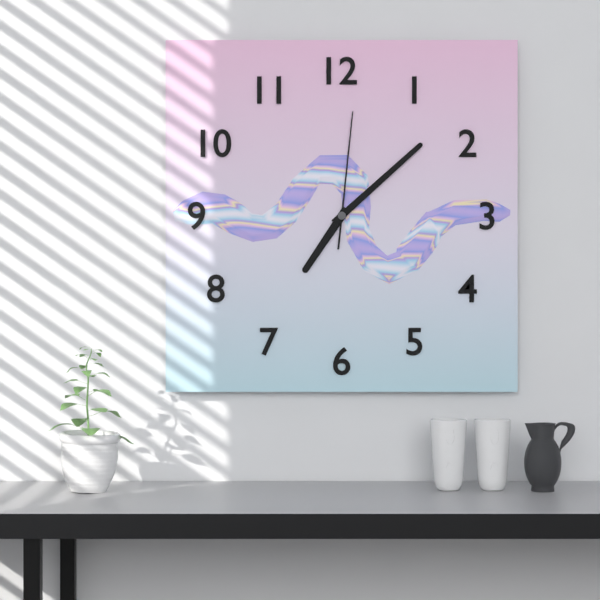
{"hour": 7, "minute": 8, "second": 1}
